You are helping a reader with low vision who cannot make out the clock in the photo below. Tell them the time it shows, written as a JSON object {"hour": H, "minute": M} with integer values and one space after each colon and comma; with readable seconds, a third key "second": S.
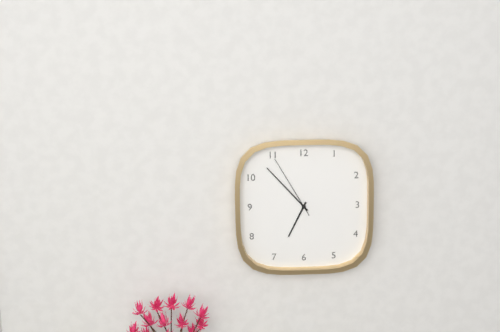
{"hour": 6, "minute": 53, "second": 55}
